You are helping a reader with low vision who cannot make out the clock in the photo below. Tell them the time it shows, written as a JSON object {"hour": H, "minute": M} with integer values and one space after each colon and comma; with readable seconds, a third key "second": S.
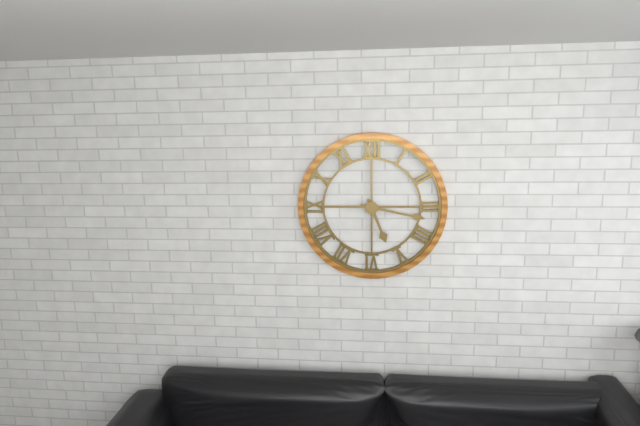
{"hour": 5, "minute": 17}
